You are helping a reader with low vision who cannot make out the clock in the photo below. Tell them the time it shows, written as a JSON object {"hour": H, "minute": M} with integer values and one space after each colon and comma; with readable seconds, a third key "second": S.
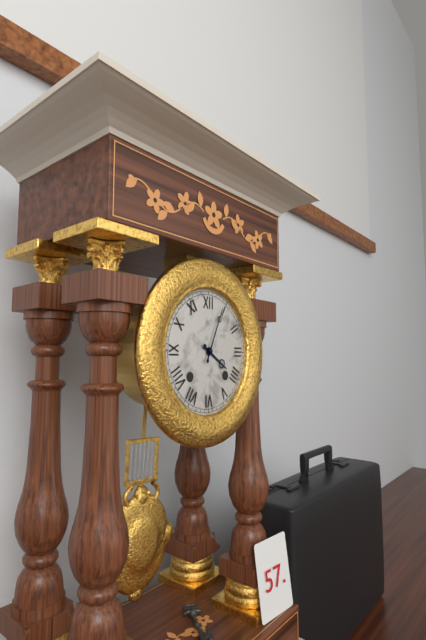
{"hour": 4, "minute": 4}
